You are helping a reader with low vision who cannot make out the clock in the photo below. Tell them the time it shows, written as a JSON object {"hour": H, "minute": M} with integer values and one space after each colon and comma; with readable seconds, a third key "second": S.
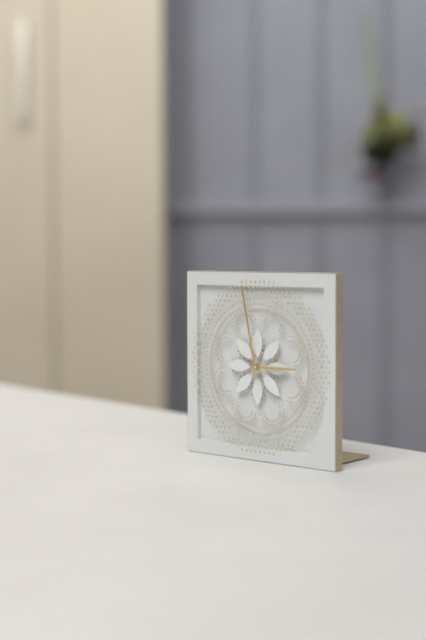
{"hour": 2, "minute": 58}
